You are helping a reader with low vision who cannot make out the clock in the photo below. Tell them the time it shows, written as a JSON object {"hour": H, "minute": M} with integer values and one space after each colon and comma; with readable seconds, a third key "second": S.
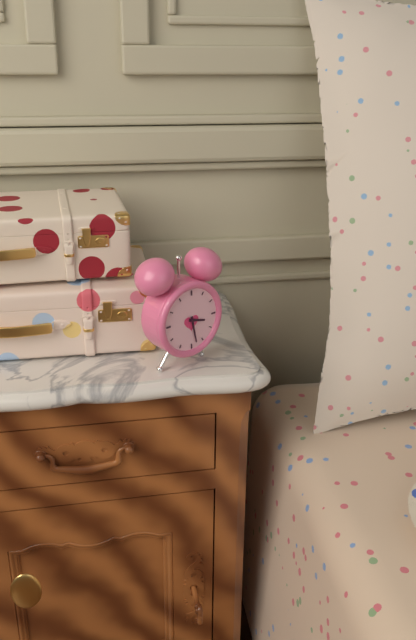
{"hour": 3, "minute": 28}
